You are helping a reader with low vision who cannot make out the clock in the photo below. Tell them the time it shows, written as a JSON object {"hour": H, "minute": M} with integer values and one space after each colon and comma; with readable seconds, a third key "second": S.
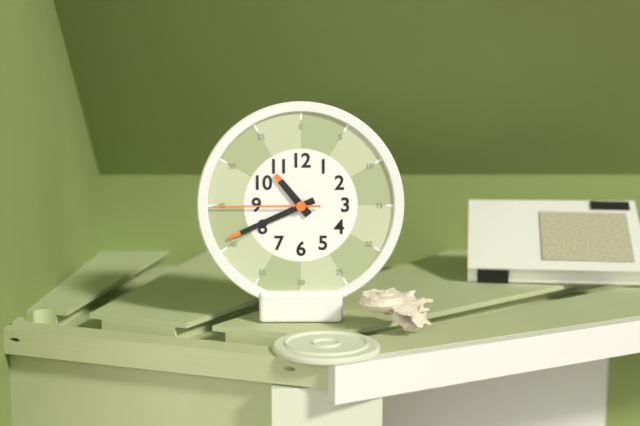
{"hour": 10, "minute": 41, "second": 45}
